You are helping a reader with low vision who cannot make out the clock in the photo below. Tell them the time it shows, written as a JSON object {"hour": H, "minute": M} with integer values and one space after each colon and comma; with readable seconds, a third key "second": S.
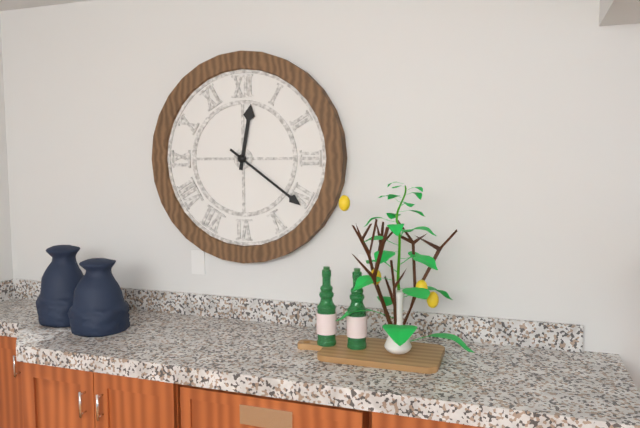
{"hour": 12, "minute": 21}
